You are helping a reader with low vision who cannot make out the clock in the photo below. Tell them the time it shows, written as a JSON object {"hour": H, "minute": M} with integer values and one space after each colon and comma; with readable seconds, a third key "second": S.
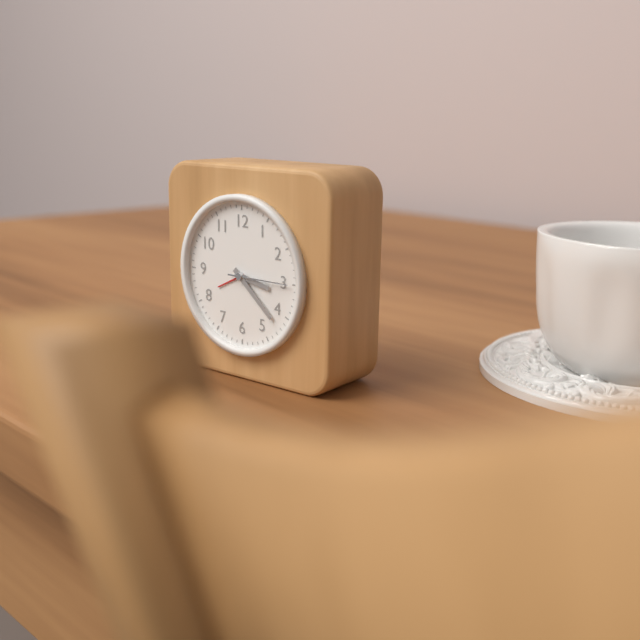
{"hour": 3, "minute": 22, "second": 15}
